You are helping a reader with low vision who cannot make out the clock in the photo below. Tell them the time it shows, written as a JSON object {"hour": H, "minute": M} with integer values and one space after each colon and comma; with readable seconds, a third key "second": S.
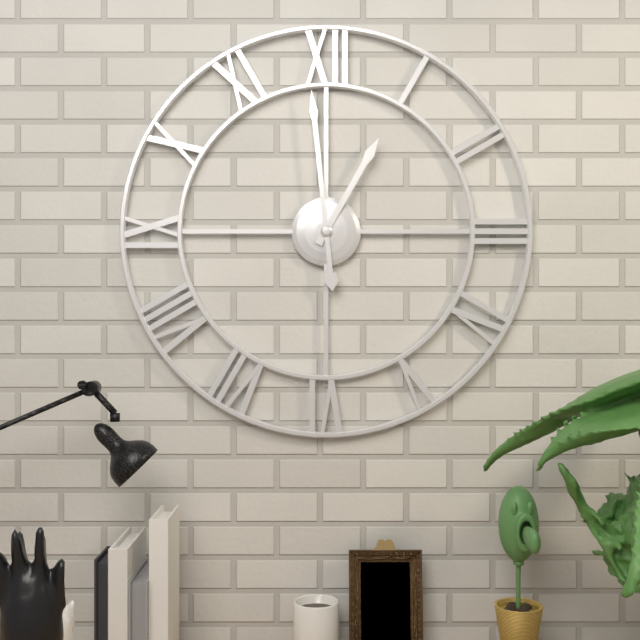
{"hour": 12, "minute": 59}
